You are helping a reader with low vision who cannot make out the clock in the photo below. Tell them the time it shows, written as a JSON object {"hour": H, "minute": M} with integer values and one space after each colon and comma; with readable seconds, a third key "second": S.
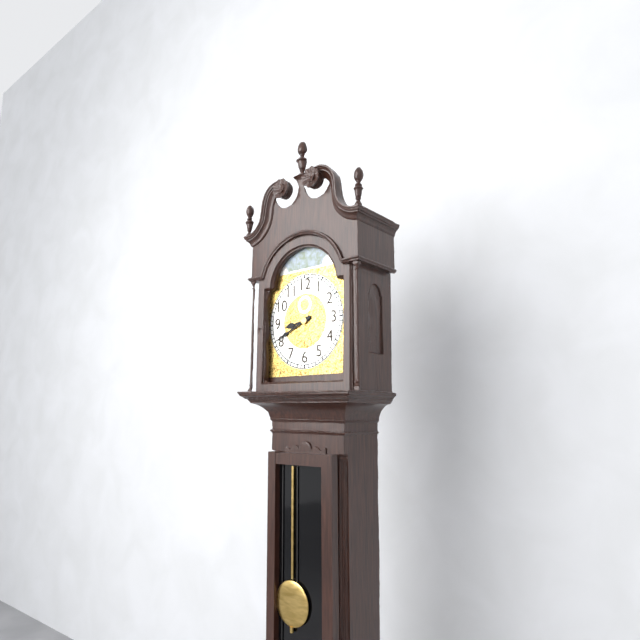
{"hour": 8, "minute": 41}
